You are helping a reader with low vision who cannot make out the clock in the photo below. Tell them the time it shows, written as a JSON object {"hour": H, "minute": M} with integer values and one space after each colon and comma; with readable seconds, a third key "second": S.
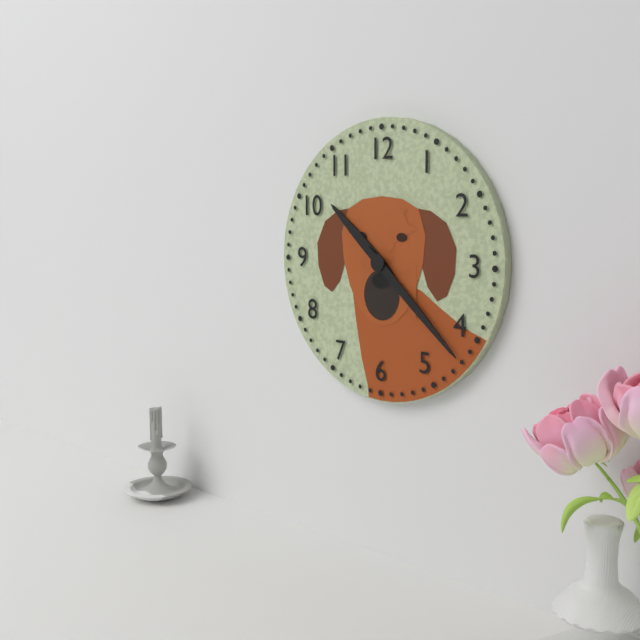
{"hour": 10, "minute": 22}
